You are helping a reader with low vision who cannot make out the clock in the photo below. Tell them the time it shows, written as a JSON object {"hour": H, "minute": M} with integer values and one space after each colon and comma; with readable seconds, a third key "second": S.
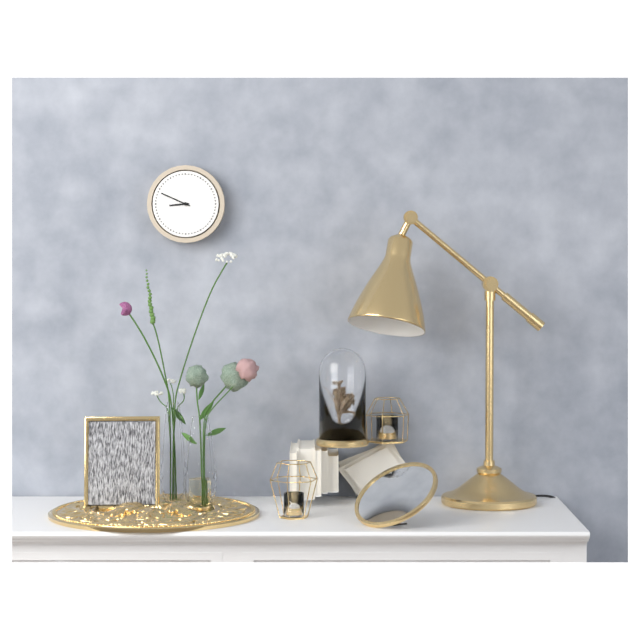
{"hour": 8, "minute": 49}
